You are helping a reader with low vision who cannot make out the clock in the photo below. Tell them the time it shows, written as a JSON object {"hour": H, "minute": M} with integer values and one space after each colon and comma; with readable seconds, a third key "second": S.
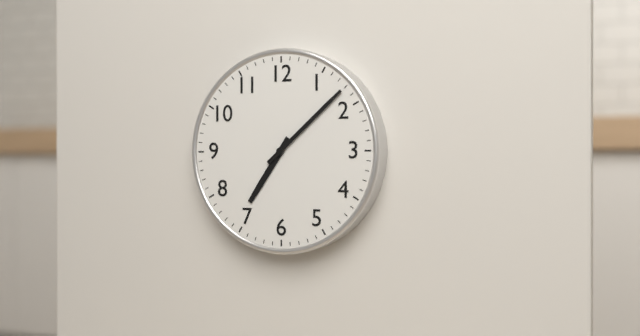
{"hour": 7, "minute": 8}
